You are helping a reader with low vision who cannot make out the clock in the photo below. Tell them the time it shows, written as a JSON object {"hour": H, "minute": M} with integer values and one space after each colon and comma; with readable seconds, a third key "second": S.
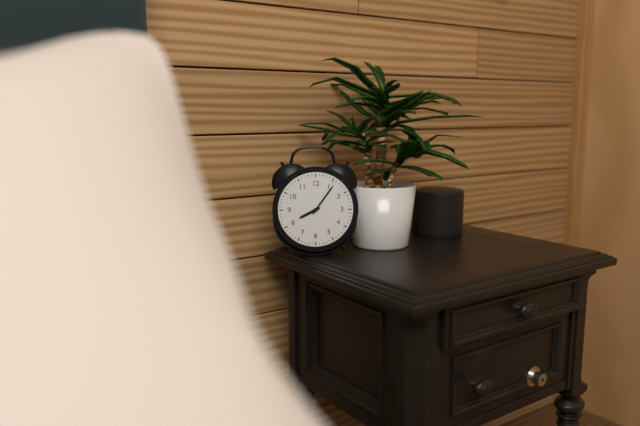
{"hour": 8, "minute": 6}
